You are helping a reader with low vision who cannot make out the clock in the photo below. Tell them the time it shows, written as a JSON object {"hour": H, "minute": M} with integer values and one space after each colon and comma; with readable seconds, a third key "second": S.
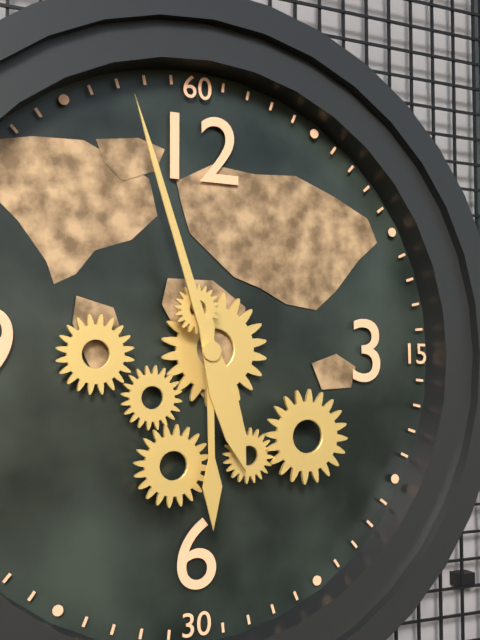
{"hour": 5, "minute": 57}
